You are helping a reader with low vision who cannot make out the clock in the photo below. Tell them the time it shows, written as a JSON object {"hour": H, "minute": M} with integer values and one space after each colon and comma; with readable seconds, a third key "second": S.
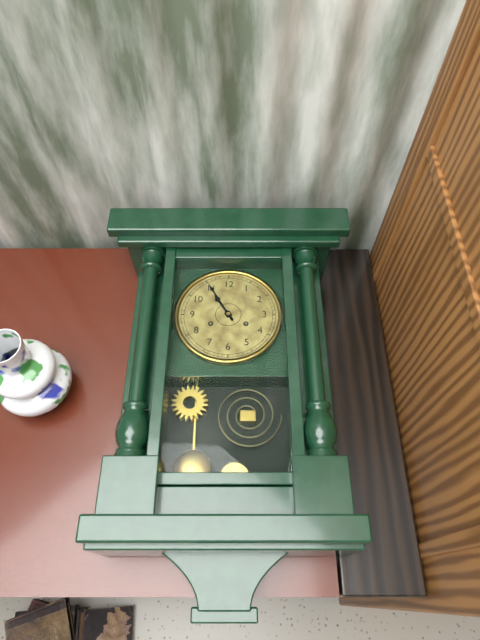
{"hour": 10, "minute": 55}
